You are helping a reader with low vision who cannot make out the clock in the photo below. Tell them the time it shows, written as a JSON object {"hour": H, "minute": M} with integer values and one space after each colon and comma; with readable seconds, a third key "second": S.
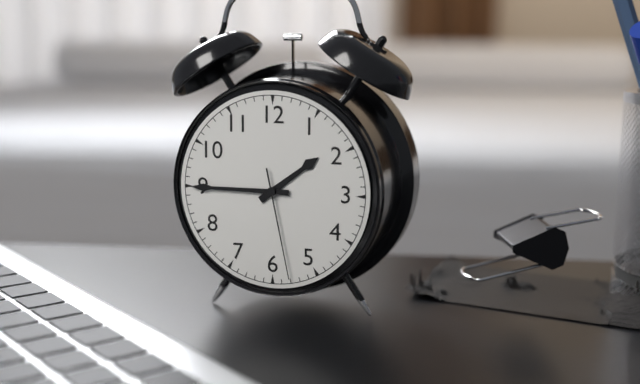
{"hour": 1, "minute": 45, "second": 28}
